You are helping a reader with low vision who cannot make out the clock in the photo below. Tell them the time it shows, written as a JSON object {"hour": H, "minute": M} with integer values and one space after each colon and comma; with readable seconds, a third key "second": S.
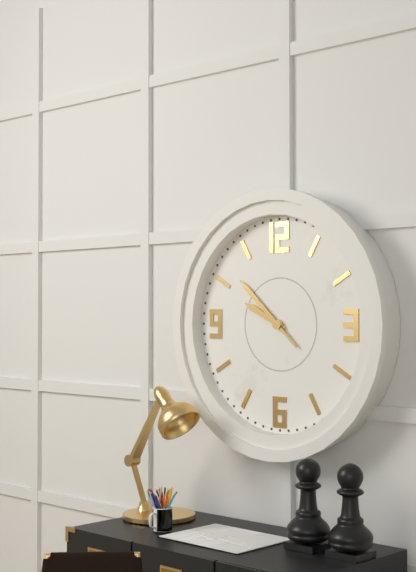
{"hour": 9, "minute": 52}
